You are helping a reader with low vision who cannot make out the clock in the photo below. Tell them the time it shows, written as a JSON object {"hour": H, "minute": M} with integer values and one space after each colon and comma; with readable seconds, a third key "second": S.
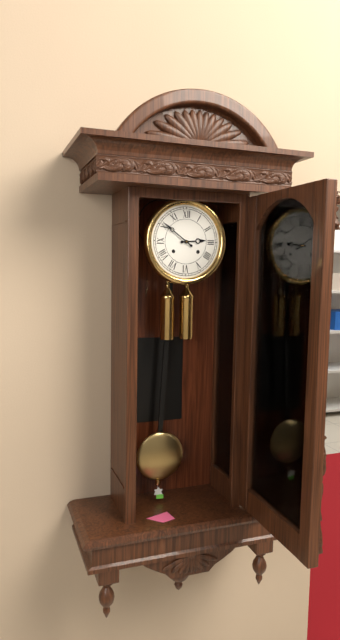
{"hour": 2, "minute": 51}
